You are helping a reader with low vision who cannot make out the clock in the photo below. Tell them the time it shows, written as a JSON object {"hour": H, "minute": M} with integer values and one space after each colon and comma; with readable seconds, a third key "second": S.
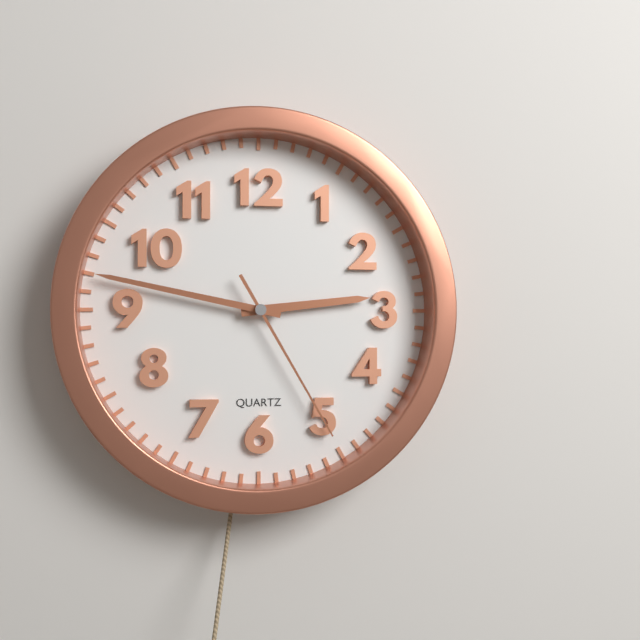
{"hour": 2, "minute": 47, "second": 25}
